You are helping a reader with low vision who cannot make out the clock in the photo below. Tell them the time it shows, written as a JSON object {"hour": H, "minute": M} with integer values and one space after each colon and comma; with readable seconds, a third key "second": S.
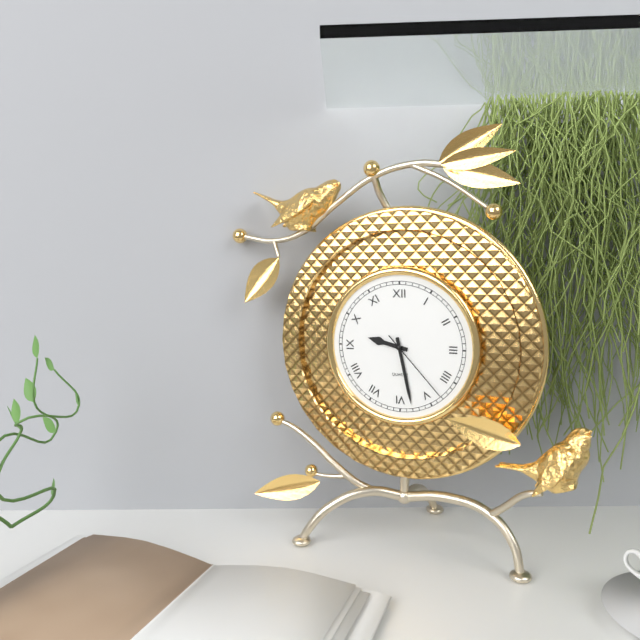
{"hour": 9, "minute": 28, "second": 23}
